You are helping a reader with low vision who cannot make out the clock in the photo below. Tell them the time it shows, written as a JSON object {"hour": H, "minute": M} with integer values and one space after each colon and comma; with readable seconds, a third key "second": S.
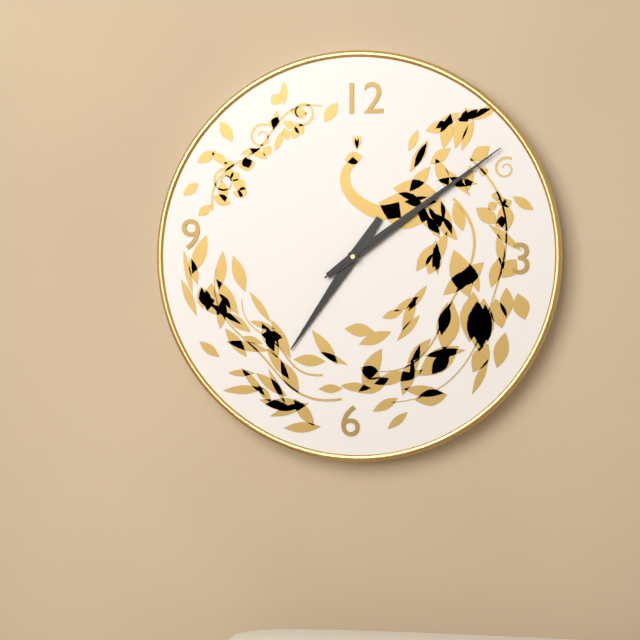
{"hour": 7, "minute": 9, "second": 9}
